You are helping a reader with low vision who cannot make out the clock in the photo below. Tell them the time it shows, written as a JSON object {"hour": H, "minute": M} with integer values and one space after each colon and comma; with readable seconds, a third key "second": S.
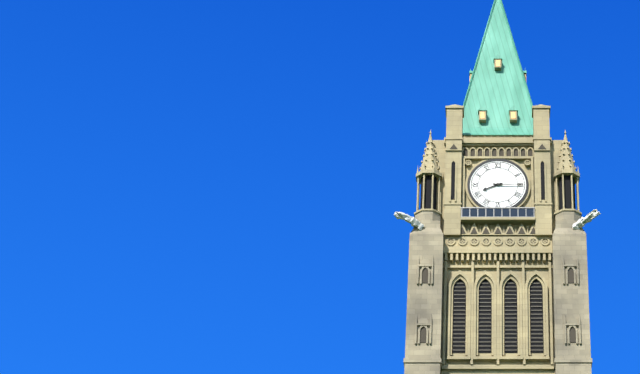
{"hour": 8, "minute": 15}
